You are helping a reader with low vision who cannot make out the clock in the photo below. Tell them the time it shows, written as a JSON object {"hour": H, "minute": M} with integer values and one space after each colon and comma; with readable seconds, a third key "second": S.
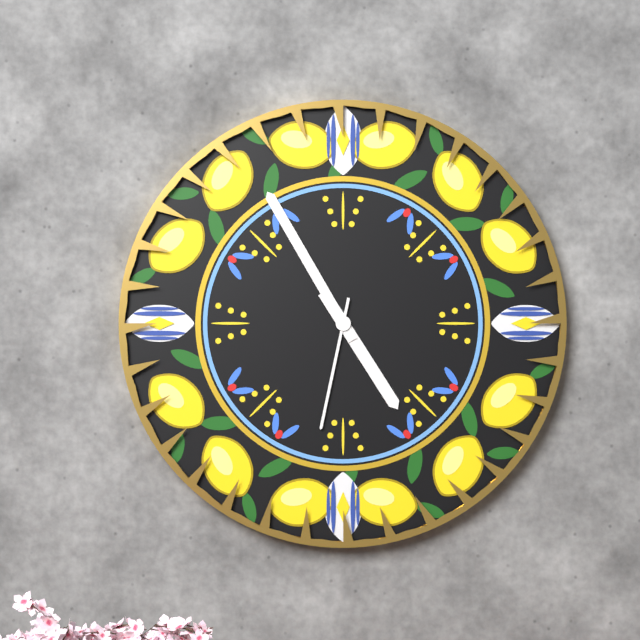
{"hour": 4, "minute": 55, "second": 32}
